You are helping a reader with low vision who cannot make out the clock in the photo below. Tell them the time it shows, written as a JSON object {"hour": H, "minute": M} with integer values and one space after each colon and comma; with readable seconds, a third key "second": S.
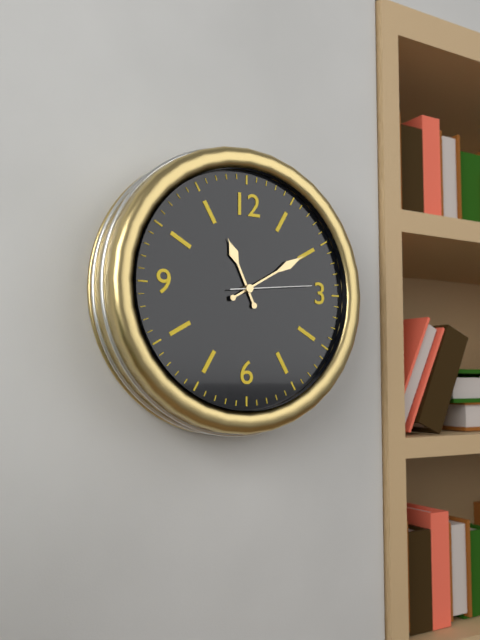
{"hour": 11, "minute": 10, "second": 14}
